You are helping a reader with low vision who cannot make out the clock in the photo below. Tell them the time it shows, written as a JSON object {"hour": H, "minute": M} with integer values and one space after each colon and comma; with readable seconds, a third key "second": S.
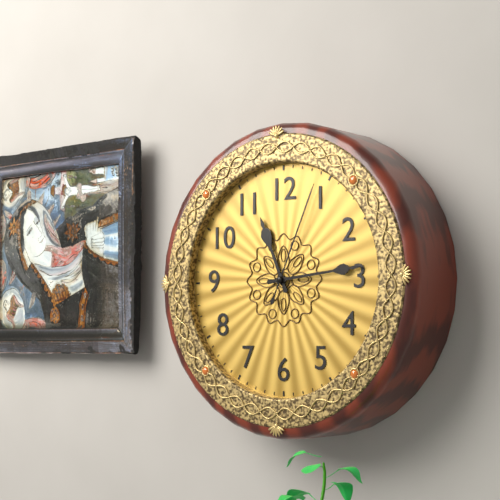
{"hour": 11, "minute": 14, "second": 4}
